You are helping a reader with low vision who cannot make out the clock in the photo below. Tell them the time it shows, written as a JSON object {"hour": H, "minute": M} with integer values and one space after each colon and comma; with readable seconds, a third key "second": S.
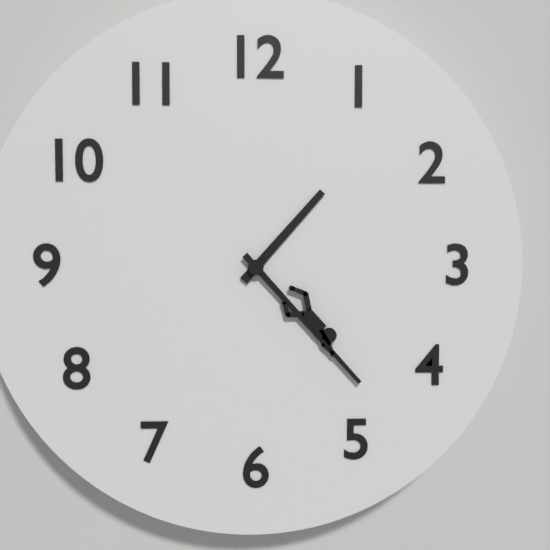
{"hour": 1, "minute": 23}
